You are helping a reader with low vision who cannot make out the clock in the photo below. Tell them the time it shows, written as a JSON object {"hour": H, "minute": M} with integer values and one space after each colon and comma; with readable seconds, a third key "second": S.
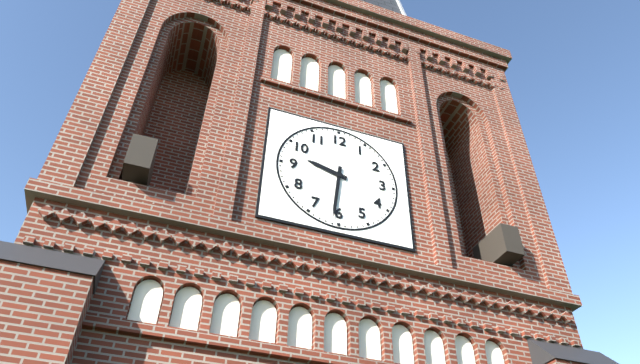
{"hour": 9, "minute": 31}
